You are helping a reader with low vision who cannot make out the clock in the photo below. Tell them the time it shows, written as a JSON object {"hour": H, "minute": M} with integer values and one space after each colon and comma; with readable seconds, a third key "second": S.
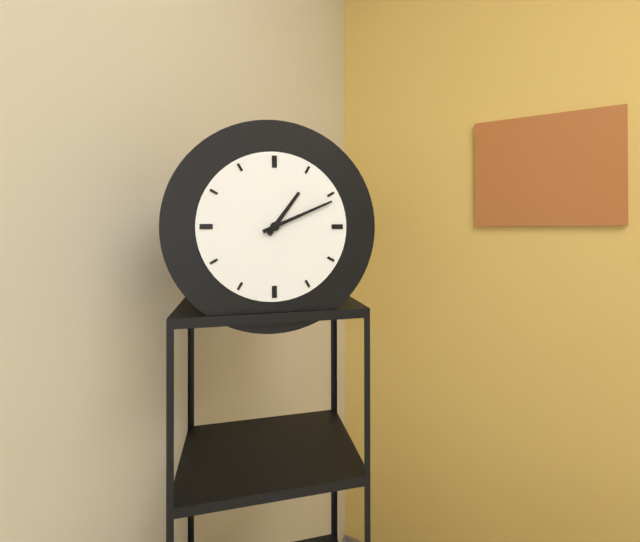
{"hour": 1, "minute": 11}
